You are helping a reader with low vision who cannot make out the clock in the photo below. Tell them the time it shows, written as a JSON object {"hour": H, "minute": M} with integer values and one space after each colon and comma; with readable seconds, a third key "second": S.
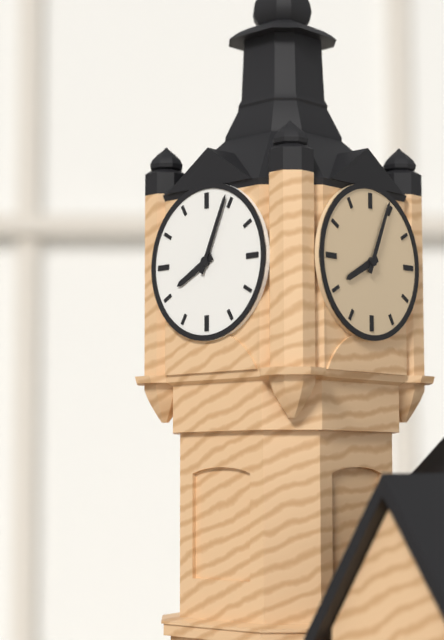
{"hour": 8, "minute": 4}
